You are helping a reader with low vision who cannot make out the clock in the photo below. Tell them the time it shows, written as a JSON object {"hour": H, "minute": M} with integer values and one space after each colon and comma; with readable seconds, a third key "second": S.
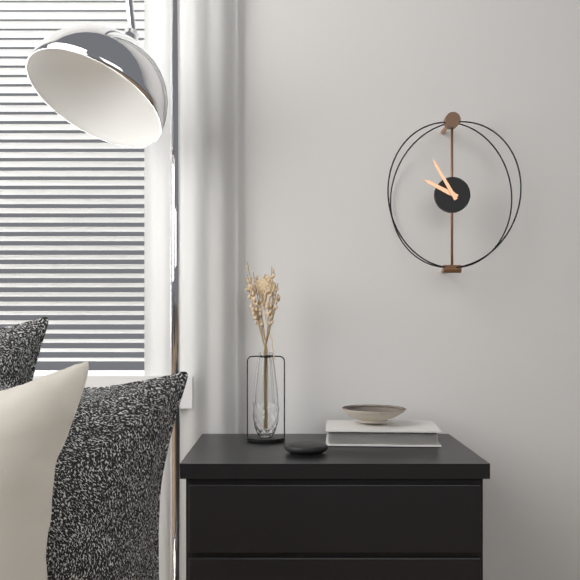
{"hour": 9, "minute": 55}
